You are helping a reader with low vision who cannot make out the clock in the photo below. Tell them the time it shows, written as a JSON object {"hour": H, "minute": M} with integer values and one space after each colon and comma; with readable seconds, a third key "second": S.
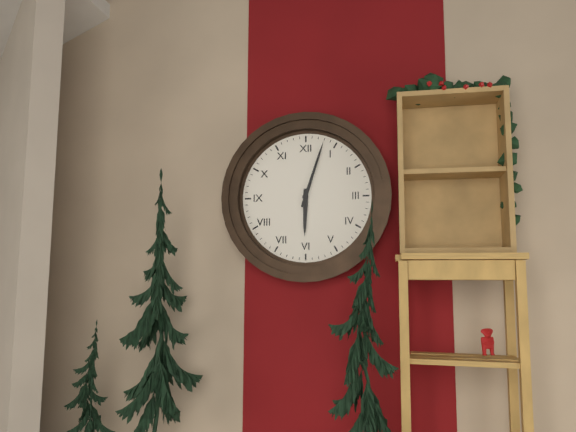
{"hour": 6, "minute": 3}
